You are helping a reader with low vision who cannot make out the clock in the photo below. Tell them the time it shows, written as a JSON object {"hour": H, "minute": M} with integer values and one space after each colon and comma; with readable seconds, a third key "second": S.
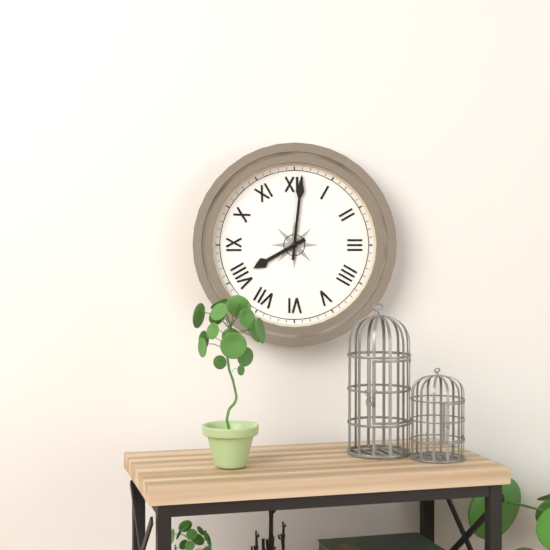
{"hour": 8, "minute": 1}
